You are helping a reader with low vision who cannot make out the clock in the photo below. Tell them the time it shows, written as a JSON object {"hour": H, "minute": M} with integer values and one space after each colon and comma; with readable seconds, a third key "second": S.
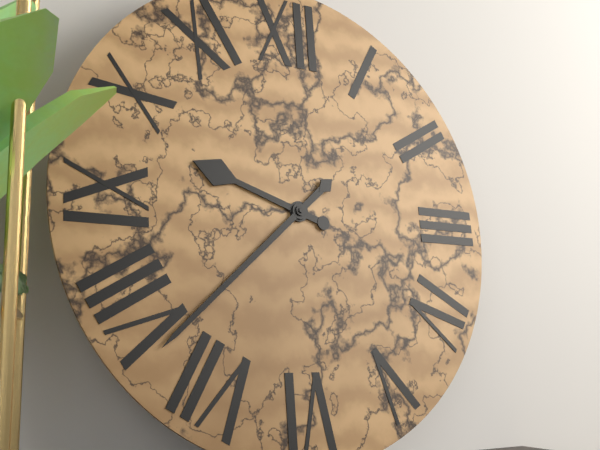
{"hour": 9, "minute": 38}
